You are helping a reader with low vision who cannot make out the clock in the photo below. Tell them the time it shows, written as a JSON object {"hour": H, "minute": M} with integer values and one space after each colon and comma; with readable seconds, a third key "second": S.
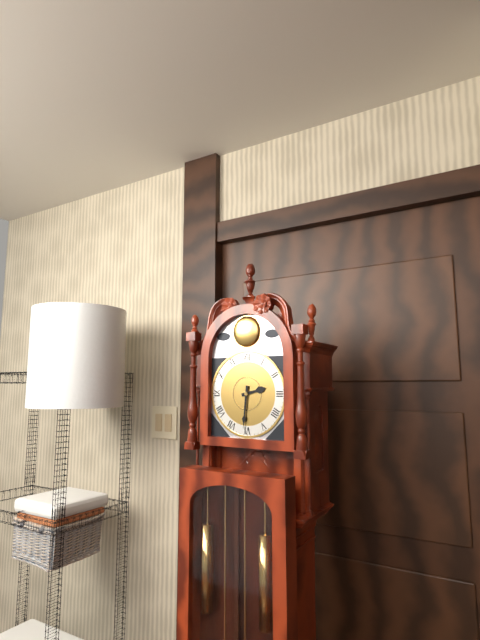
{"hour": 2, "minute": 31}
